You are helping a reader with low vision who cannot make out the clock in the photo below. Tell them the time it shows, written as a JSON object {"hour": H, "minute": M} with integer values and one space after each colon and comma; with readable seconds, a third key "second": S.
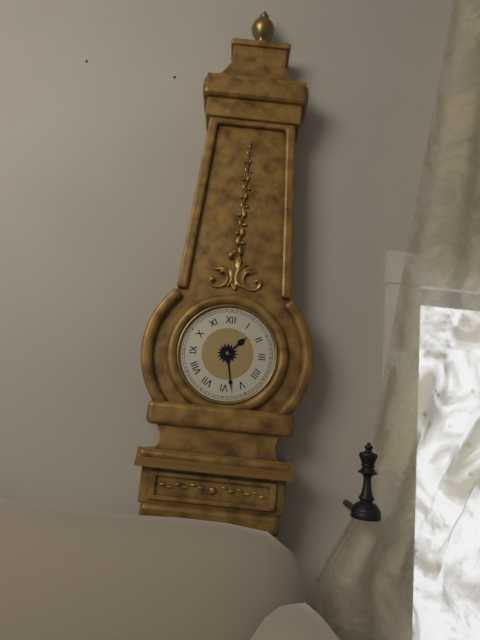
{"hour": 1, "minute": 28}
